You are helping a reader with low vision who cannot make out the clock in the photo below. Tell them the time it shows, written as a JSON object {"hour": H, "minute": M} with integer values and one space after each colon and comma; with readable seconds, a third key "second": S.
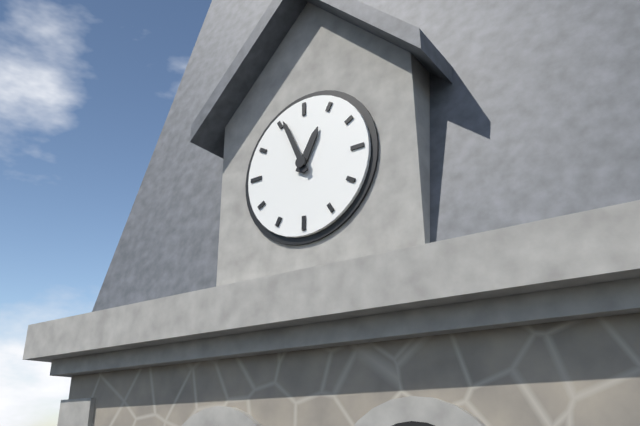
{"hour": 12, "minute": 56}
